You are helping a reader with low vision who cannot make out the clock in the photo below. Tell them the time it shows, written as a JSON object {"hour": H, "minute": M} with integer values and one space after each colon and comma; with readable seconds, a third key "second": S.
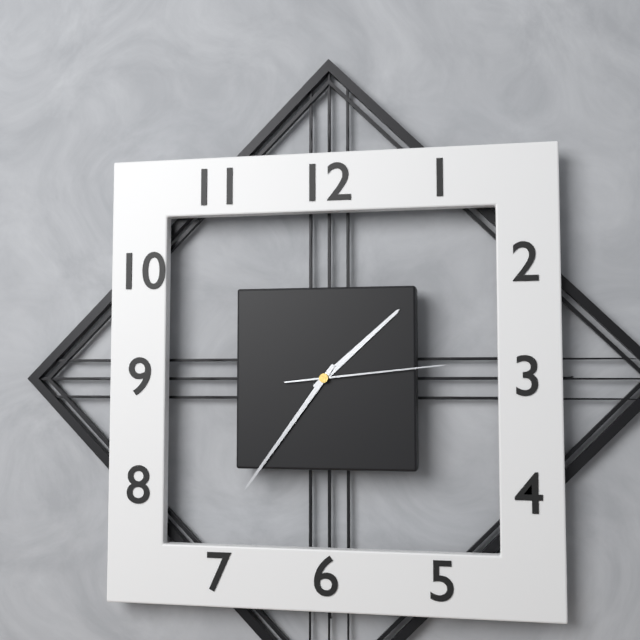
{"hour": 1, "minute": 36, "second": 14}
